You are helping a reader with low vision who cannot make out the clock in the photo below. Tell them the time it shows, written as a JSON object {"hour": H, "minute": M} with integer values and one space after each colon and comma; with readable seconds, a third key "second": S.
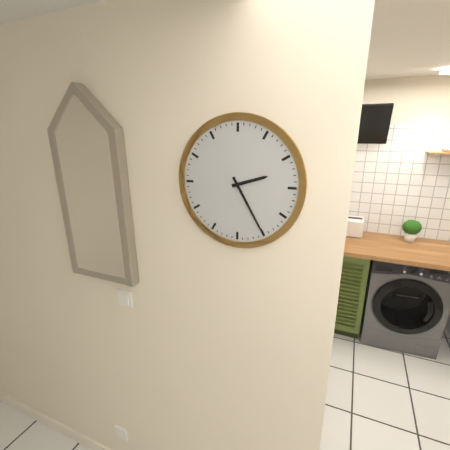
{"hour": 2, "minute": 25}
